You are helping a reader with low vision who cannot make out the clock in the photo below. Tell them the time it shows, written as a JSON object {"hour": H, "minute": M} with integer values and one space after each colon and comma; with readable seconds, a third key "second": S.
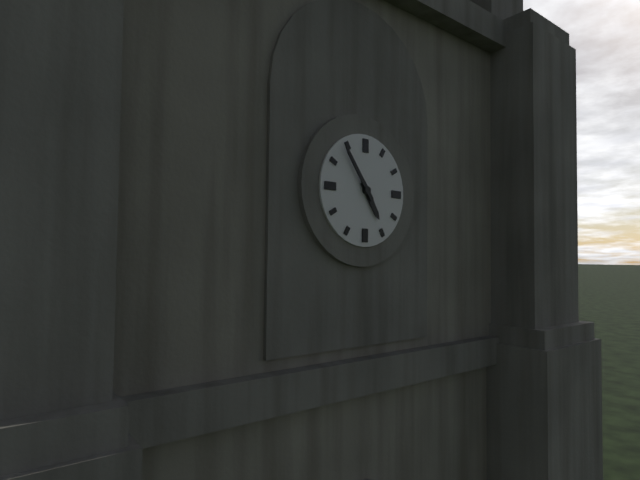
{"hour": 4, "minute": 54}
